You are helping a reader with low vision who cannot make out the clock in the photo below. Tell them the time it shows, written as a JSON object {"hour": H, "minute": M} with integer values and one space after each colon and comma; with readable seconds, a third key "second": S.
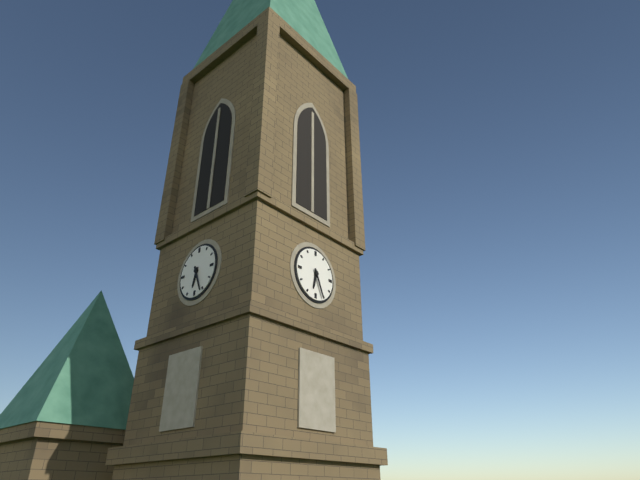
{"hour": 6, "minute": 26}
